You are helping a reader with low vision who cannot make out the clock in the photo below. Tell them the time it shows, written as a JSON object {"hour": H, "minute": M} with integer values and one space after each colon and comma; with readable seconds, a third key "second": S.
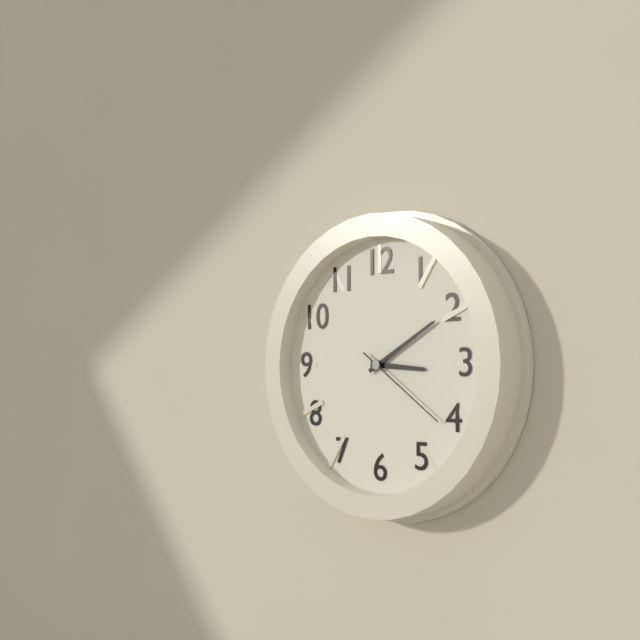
{"hour": 3, "minute": 10, "second": 21}
